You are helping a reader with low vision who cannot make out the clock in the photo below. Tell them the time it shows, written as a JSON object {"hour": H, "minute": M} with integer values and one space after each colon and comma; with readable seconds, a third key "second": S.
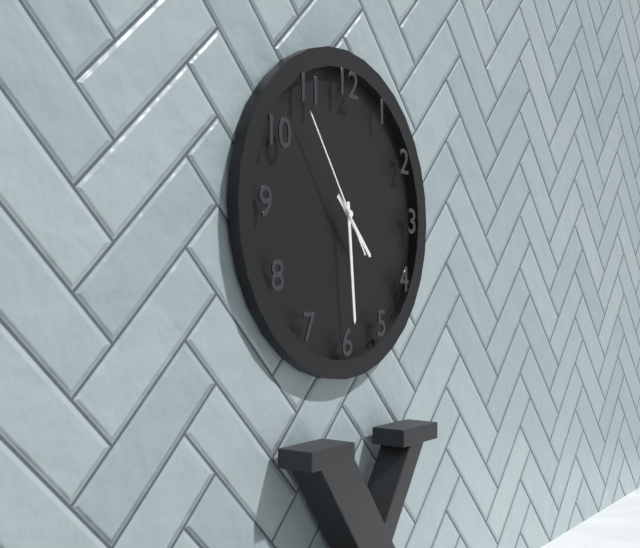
{"hour": 4, "minute": 29, "second": 54}
